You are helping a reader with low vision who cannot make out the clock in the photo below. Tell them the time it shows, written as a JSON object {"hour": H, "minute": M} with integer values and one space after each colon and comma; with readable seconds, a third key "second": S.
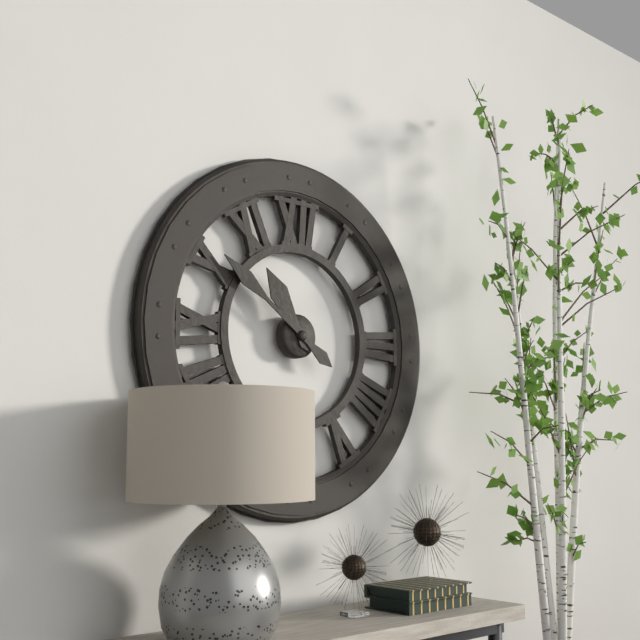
{"hour": 10, "minute": 51}
